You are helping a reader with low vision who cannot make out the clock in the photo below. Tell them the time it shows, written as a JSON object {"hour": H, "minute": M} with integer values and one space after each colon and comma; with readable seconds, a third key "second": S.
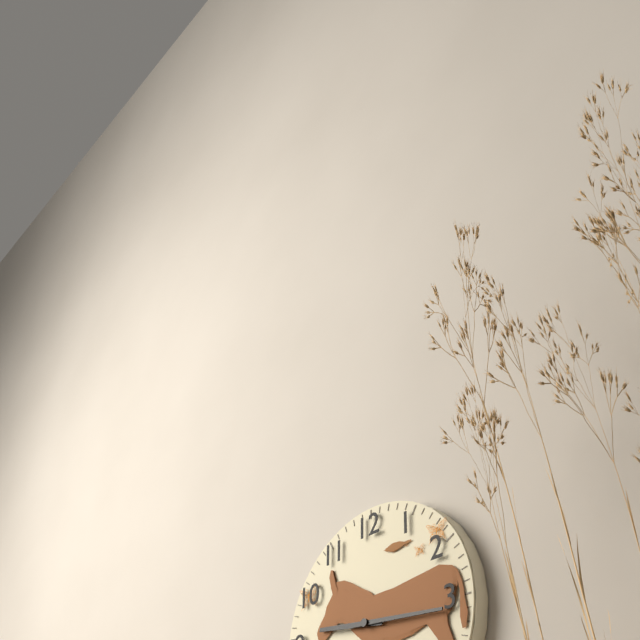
{"hour": 9, "minute": 16}
